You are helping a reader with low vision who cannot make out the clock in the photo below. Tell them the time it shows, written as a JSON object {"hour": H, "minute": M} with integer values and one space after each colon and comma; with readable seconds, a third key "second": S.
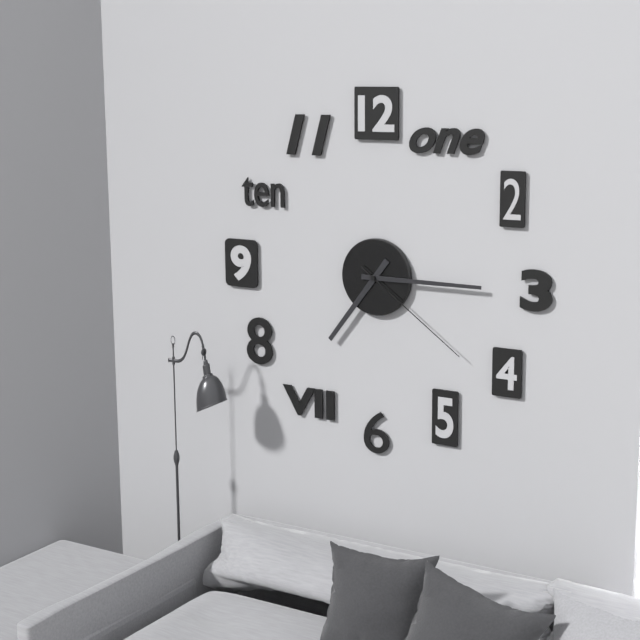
{"hour": 7, "minute": 15, "second": 21}
